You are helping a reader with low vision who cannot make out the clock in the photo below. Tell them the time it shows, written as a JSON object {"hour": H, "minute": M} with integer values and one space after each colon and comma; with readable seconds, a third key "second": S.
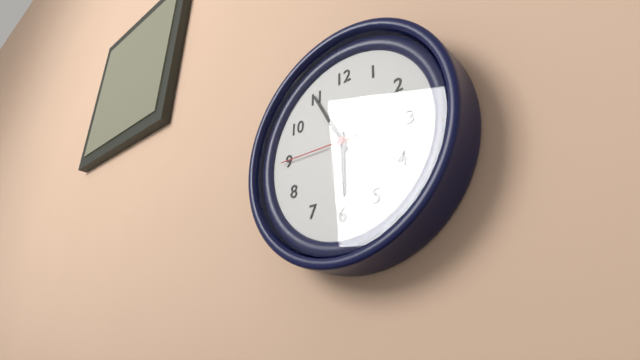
{"hour": 5, "minute": 55, "second": 45}
